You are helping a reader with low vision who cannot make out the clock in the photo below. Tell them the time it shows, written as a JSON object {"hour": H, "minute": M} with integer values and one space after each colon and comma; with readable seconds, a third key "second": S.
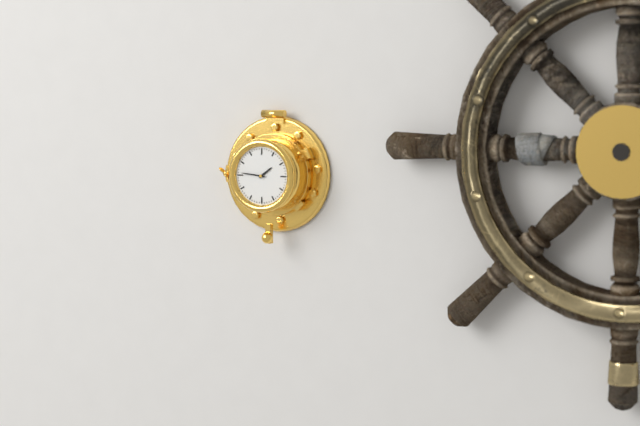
{"hour": 1, "minute": 46}
